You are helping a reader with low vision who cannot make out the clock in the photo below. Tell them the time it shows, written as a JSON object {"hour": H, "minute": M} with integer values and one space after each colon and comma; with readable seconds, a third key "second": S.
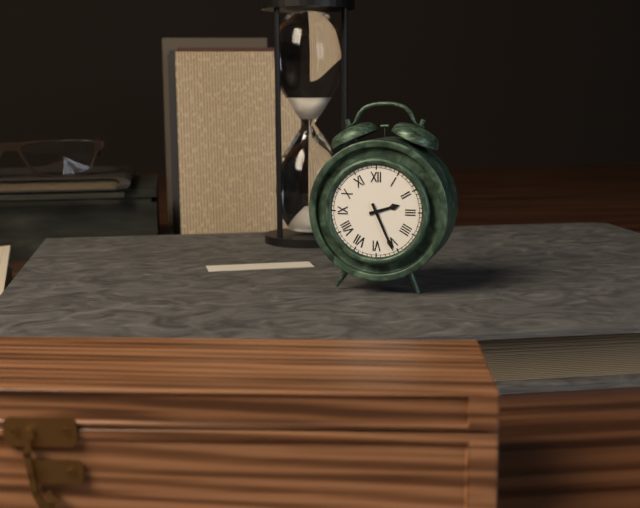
{"hour": 2, "minute": 26}
